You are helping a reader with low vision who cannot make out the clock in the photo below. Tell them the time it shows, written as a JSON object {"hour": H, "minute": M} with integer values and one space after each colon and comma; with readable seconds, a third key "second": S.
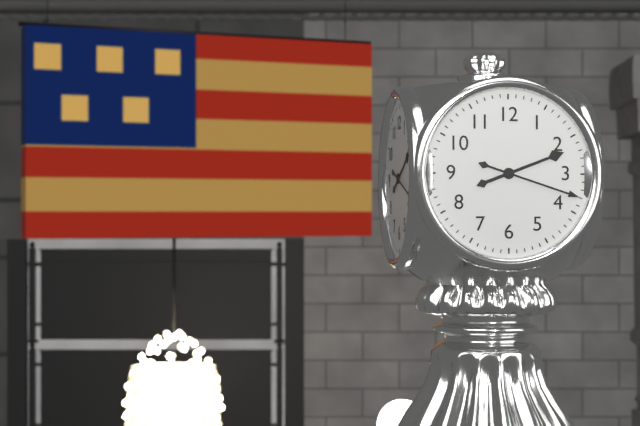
{"hour": 2, "minute": 18}
